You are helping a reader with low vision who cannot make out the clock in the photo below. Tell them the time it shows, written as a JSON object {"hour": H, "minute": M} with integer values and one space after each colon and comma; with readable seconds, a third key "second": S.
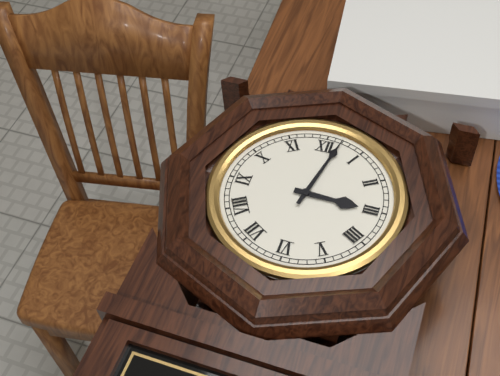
{"hour": 3, "minute": 2}
